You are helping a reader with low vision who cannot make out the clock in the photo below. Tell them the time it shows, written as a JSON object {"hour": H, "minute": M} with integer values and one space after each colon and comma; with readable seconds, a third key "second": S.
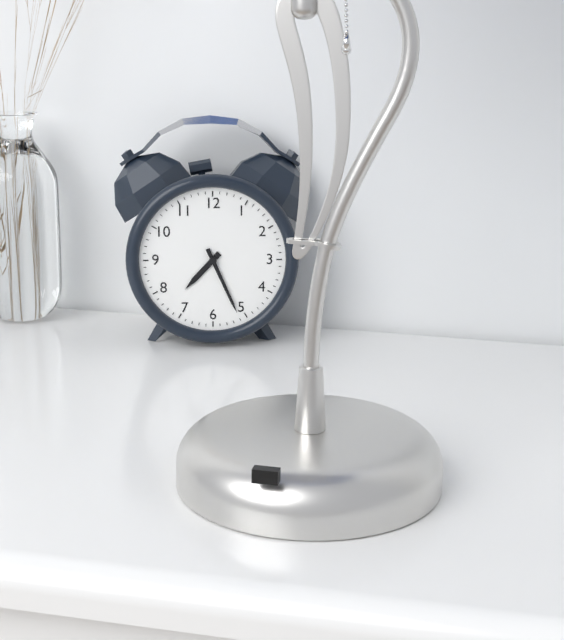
{"hour": 7, "minute": 26}
